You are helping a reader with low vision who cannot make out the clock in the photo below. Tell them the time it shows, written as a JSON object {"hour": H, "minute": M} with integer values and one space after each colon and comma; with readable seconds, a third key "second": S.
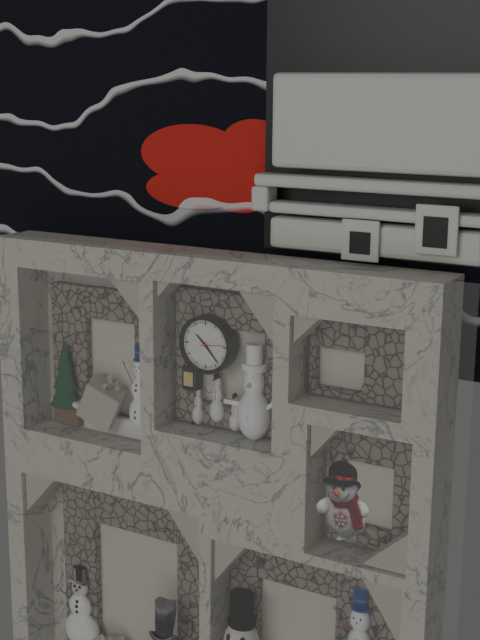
{"hour": 10, "minute": 23}
